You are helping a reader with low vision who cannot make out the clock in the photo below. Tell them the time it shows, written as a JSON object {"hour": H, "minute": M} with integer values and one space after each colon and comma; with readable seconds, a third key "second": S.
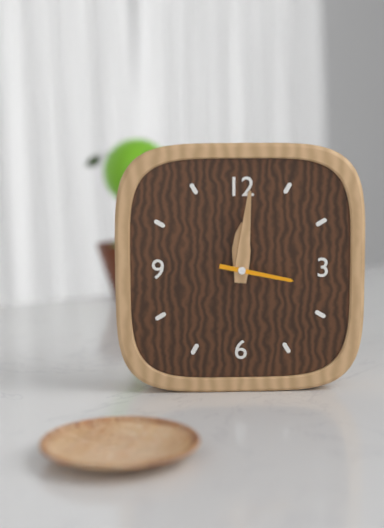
{"hour": 12, "minute": 1, "second": 17}
